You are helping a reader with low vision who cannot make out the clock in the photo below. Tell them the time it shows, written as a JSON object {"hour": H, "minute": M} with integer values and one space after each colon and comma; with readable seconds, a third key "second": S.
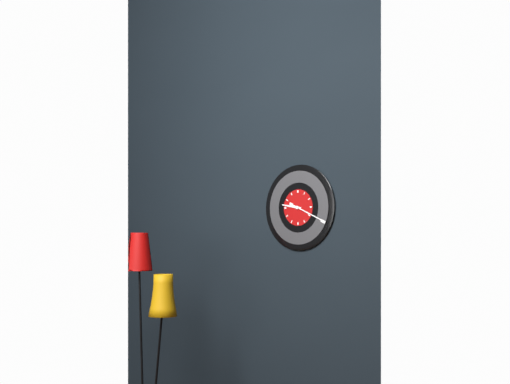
{"hour": 9, "minute": 19}
